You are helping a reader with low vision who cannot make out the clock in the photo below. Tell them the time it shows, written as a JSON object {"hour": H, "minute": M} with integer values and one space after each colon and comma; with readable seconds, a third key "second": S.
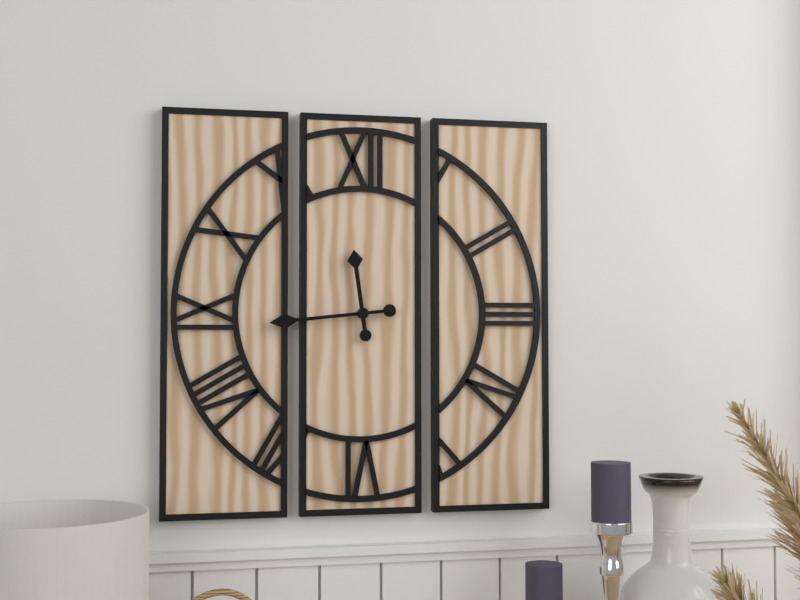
{"hour": 11, "minute": 44}
